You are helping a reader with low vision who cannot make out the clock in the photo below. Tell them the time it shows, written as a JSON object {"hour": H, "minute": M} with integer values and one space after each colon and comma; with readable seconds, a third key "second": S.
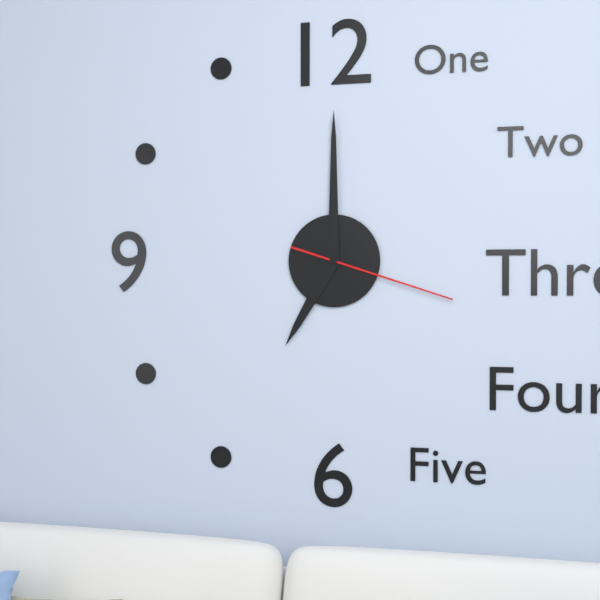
{"hour": 7, "minute": 0, "second": 18}
